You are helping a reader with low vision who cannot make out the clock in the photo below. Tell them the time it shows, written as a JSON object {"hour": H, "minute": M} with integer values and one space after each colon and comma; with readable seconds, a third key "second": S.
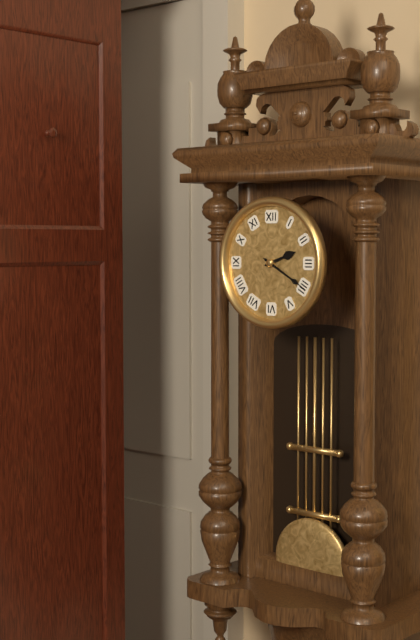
{"hour": 2, "minute": 20}
